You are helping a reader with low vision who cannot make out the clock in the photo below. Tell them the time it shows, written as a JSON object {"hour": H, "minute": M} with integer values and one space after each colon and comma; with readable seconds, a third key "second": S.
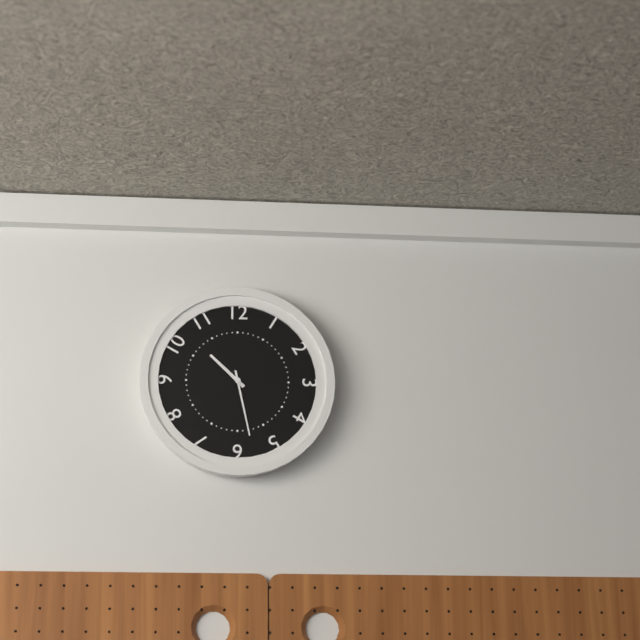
{"hour": 10, "minute": 28}
